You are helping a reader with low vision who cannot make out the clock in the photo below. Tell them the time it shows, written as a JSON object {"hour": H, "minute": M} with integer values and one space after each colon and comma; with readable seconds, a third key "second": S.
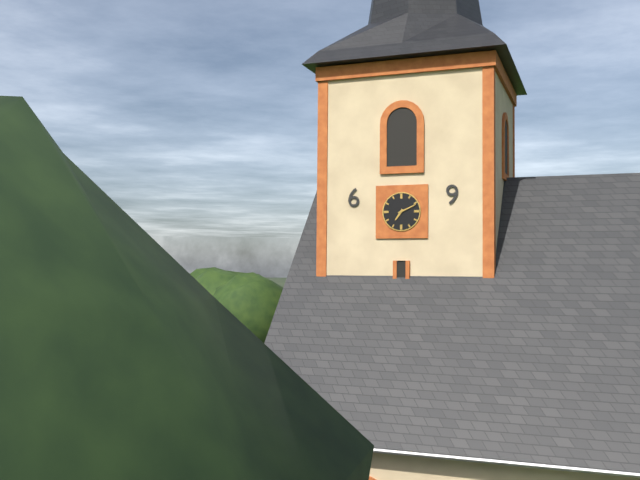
{"hour": 7, "minute": 11}
